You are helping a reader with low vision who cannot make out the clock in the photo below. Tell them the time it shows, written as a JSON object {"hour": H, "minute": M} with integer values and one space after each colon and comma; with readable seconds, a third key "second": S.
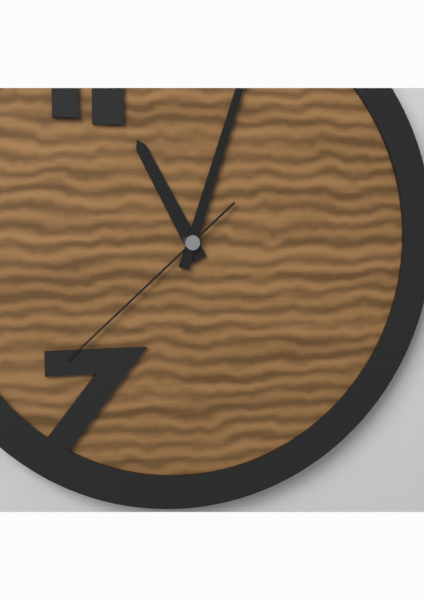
{"hour": 11, "minute": 3, "second": 38}
